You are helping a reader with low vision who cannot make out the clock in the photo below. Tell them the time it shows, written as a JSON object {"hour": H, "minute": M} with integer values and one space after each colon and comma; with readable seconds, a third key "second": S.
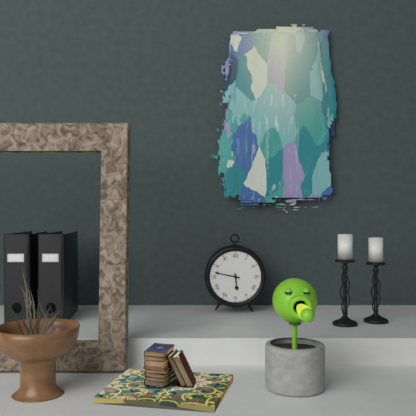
{"hour": 5, "minute": 47}
